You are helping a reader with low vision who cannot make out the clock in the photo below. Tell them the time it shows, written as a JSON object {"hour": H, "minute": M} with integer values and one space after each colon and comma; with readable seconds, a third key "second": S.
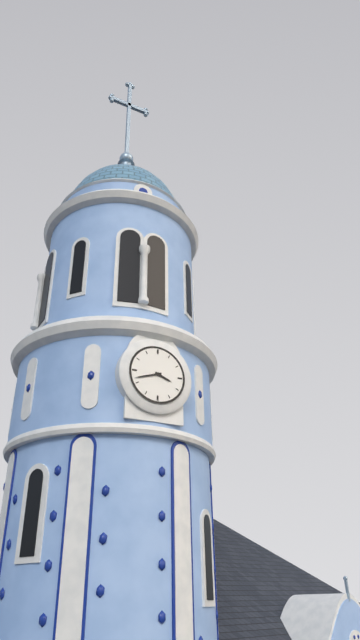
{"hour": 3, "minute": 42}
